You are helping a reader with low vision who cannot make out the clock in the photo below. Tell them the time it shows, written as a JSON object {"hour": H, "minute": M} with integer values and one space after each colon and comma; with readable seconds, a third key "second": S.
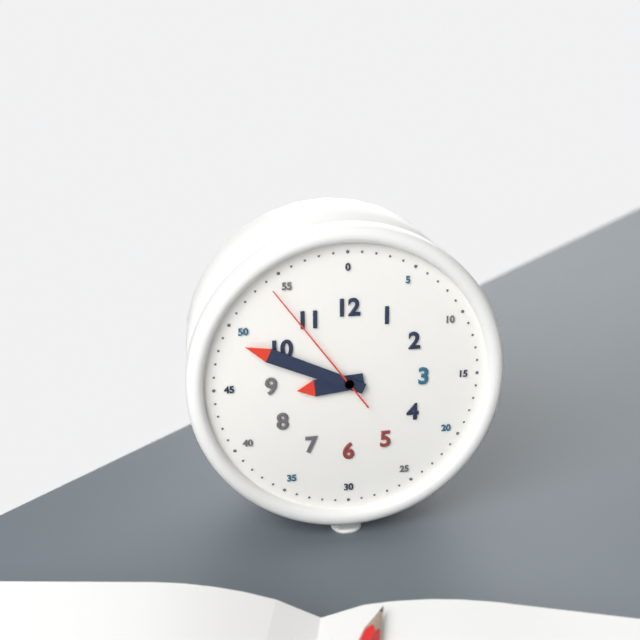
{"hour": 8, "minute": 49, "second": 54}
